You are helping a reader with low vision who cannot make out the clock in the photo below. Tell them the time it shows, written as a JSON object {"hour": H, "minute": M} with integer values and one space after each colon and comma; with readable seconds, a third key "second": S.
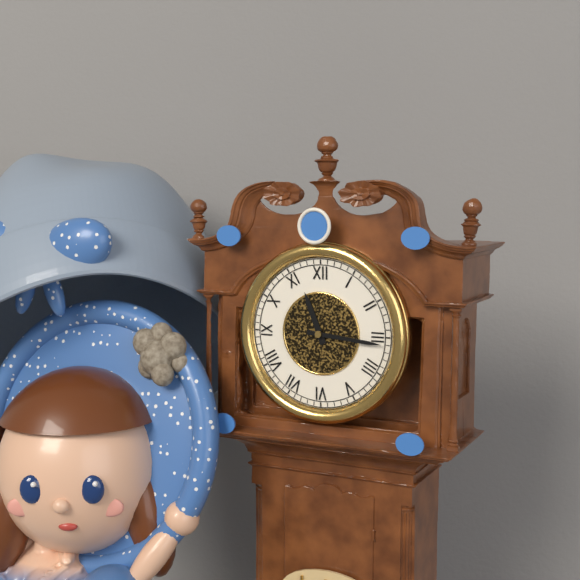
{"hour": 11, "minute": 16}
